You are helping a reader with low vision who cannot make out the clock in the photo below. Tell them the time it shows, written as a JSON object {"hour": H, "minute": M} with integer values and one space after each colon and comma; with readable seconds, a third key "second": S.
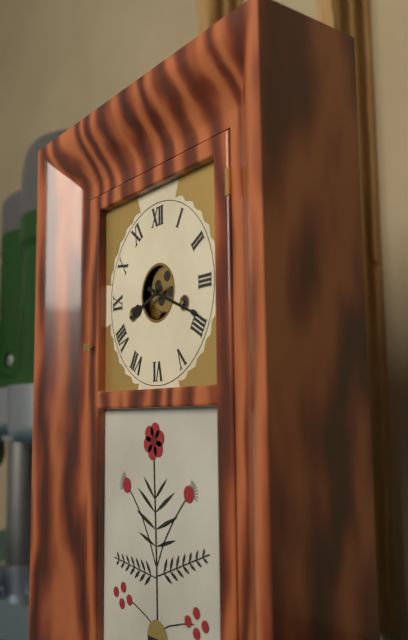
{"hour": 8, "minute": 19}
